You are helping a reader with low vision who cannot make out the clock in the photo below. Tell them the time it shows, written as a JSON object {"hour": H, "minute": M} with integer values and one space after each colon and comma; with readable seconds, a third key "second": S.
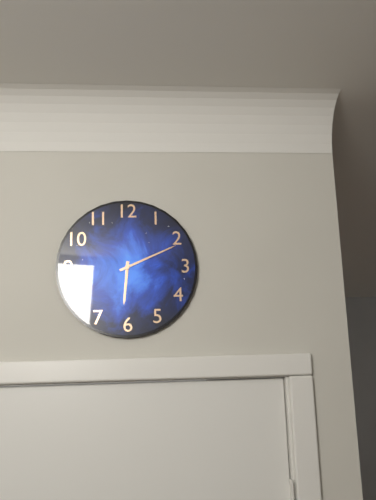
{"hour": 6, "minute": 11}
